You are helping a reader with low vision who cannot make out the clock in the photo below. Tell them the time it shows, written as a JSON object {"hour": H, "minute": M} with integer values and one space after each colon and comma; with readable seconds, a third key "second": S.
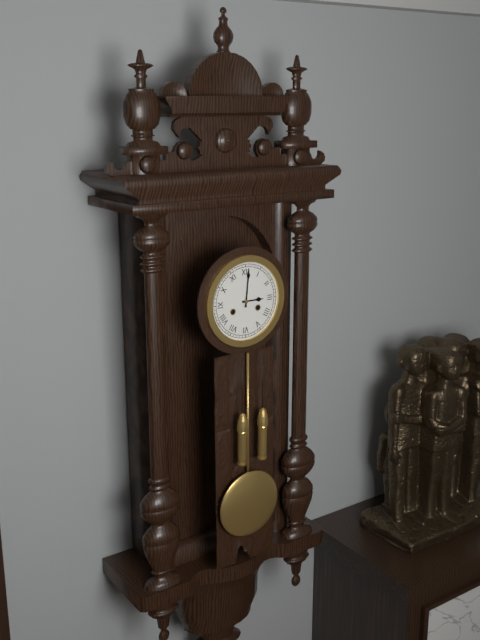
{"hour": 3, "minute": 1}
